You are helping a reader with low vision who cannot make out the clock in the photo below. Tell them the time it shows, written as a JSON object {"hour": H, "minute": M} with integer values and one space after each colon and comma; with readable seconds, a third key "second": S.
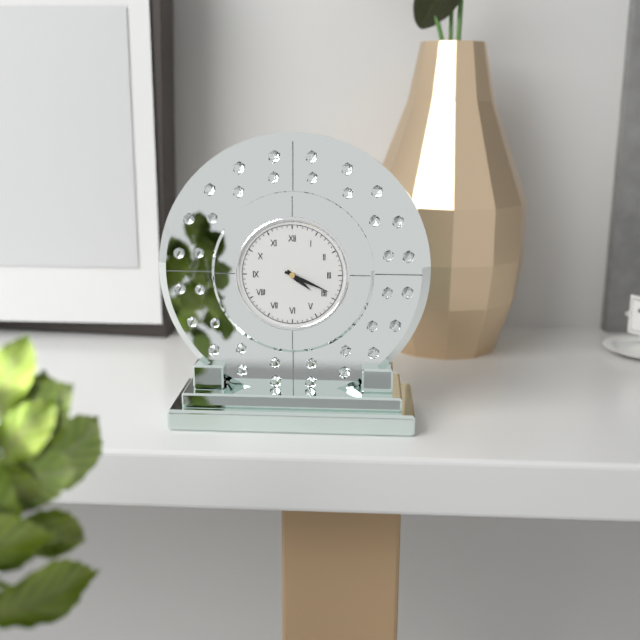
{"hour": 4, "minute": 19}
